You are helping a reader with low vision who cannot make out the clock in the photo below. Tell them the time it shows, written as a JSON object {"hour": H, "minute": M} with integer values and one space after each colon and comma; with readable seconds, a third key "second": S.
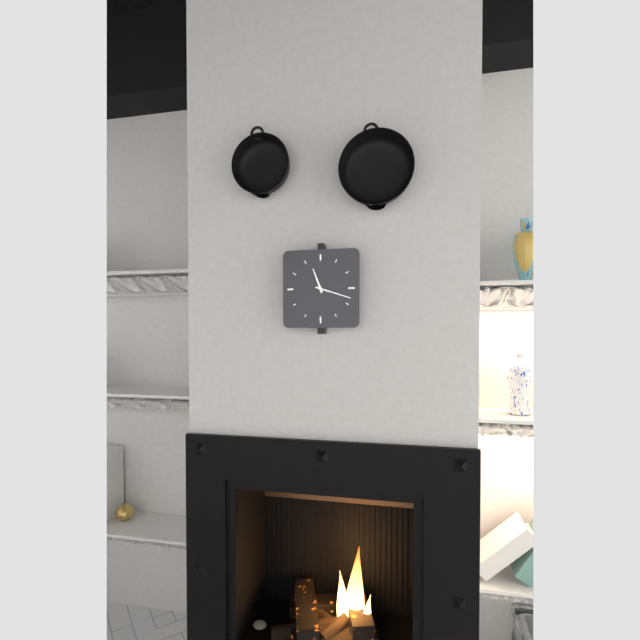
{"hour": 11, "minute": 18}
